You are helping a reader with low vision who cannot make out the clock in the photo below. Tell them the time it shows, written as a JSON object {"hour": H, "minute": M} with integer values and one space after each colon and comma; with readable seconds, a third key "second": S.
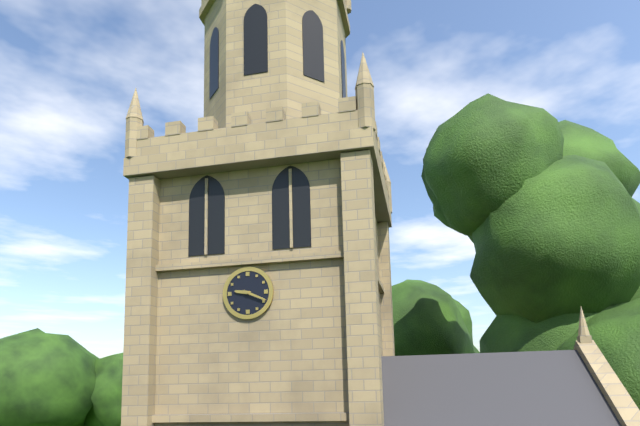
{"hour": 9, "minute": 19}
